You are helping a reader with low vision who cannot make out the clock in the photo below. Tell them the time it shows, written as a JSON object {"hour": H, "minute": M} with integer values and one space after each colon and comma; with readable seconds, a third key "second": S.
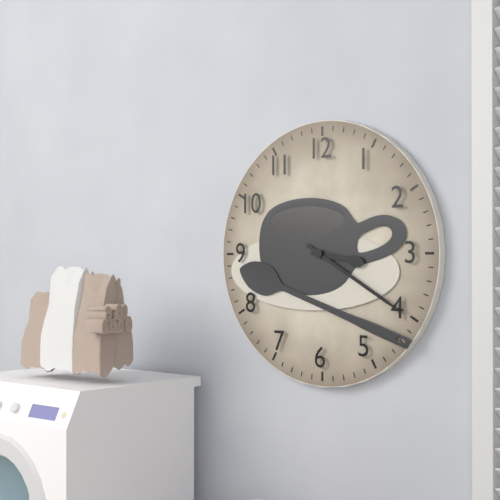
{"hour": 3, "minute": 20}
